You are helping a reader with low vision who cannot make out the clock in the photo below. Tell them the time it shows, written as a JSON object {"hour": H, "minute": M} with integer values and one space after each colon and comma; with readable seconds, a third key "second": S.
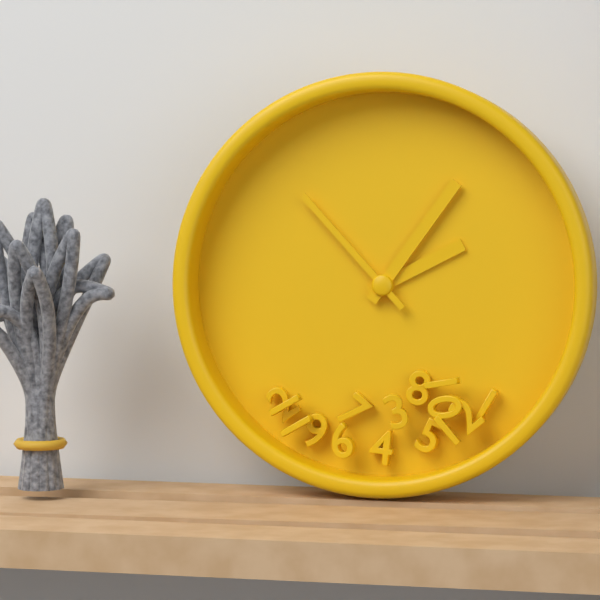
{"hour": 2, "minute": 6, "second": 53}
